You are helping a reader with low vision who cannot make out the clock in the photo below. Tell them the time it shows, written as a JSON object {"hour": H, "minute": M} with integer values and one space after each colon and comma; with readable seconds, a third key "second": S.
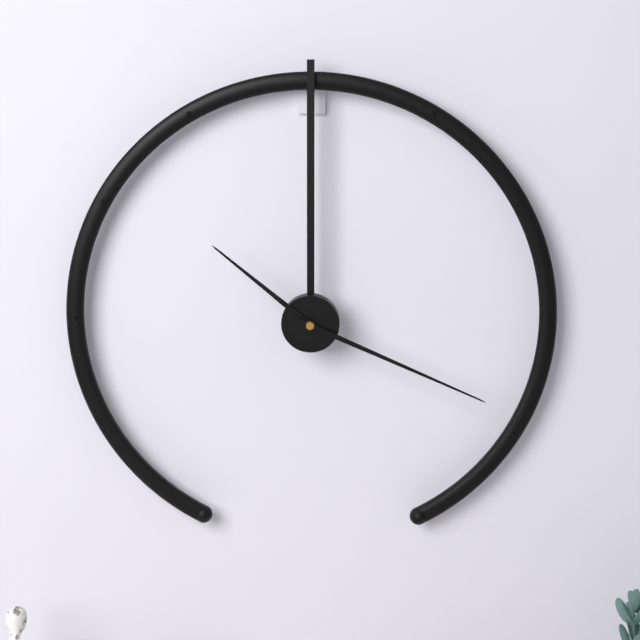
{"hour": 10, "minute": 19}
